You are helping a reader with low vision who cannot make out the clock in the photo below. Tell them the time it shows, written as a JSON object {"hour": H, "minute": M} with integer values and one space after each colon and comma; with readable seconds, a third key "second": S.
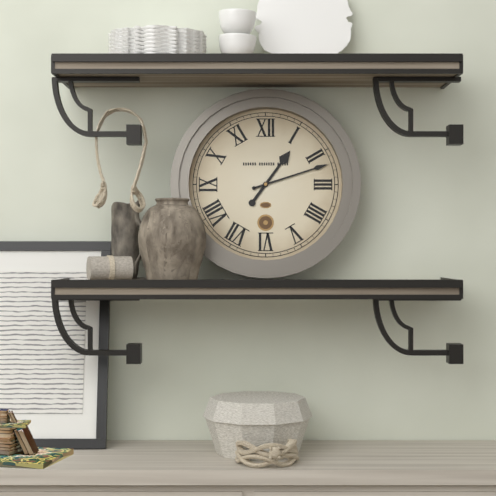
{"hour": 1, "minute": 12}
